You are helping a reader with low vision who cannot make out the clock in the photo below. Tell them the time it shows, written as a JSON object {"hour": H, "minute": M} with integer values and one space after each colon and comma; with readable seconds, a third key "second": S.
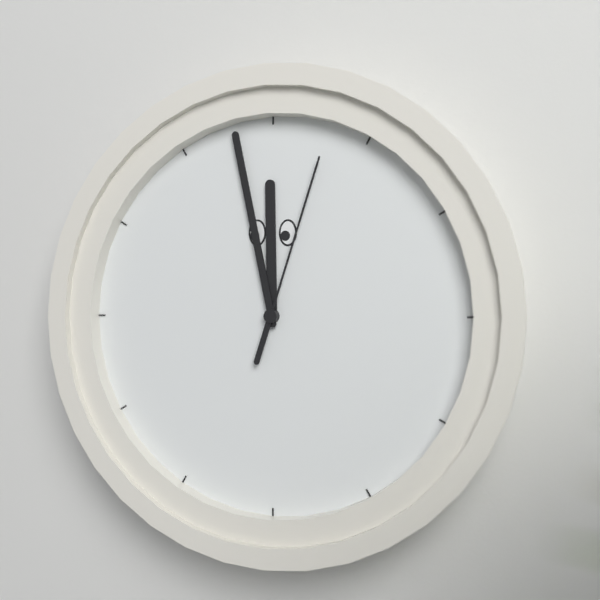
{"hour": 11, "minute": 58, "second": 3}
